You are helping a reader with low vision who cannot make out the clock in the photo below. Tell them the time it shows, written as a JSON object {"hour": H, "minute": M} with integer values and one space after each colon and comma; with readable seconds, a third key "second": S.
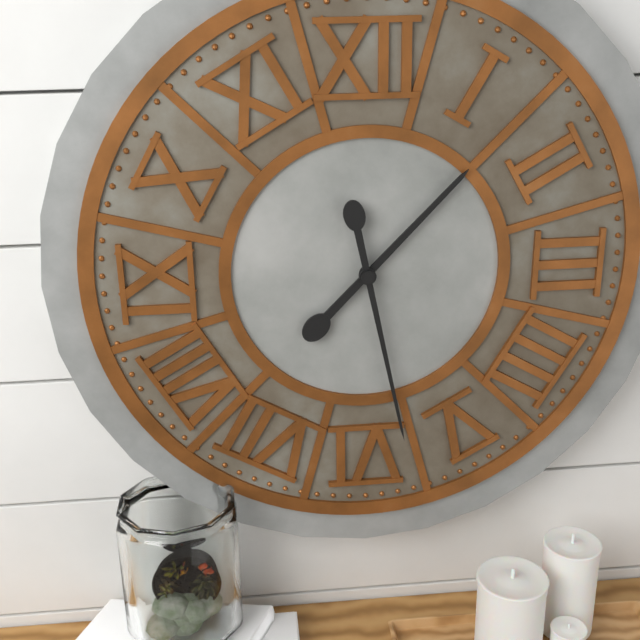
{"hour": 1, "minute": 28}
